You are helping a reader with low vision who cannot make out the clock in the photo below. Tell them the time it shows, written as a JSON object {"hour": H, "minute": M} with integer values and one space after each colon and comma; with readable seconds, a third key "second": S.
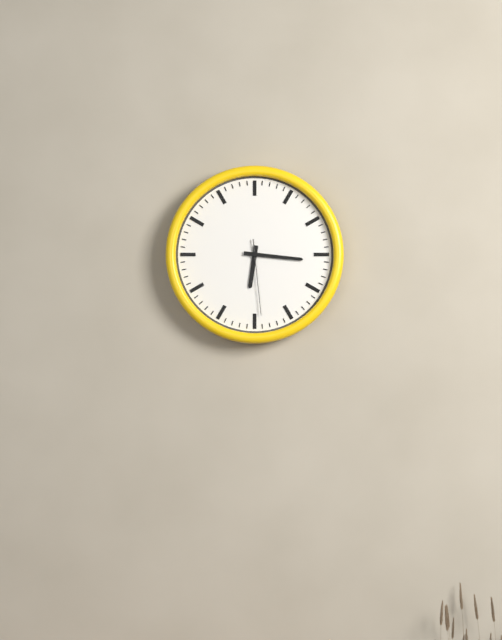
{"hour": 6, "minute": 16, "second": 29}
